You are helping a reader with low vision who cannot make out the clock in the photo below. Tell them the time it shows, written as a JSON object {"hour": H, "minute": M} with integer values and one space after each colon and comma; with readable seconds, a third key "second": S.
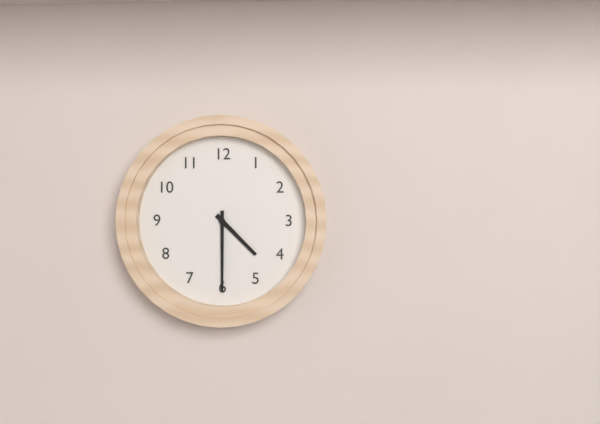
{"hour": 4, "minute": 30}
